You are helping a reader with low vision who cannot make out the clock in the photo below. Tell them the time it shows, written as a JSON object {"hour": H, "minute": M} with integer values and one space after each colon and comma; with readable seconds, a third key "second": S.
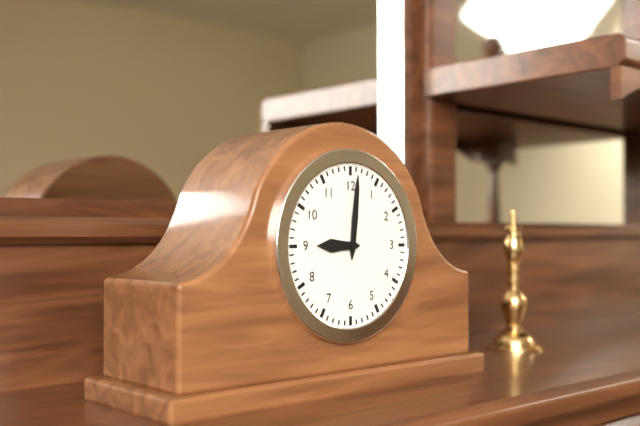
{"hour": 9, "minute": 1}
